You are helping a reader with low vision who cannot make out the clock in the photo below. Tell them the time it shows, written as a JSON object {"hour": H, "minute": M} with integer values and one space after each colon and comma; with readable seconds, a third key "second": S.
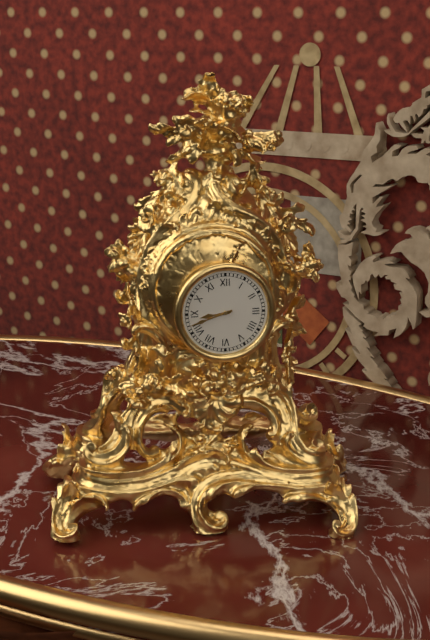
{"hour": 8, "minute": 42}
